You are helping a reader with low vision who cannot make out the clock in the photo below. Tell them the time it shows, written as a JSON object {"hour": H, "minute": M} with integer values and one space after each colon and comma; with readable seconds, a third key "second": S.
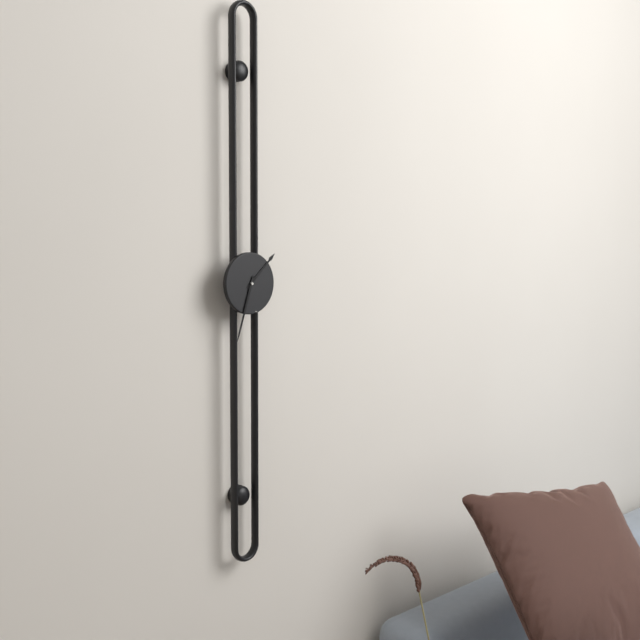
{"hour": 1, "minute": 33}
